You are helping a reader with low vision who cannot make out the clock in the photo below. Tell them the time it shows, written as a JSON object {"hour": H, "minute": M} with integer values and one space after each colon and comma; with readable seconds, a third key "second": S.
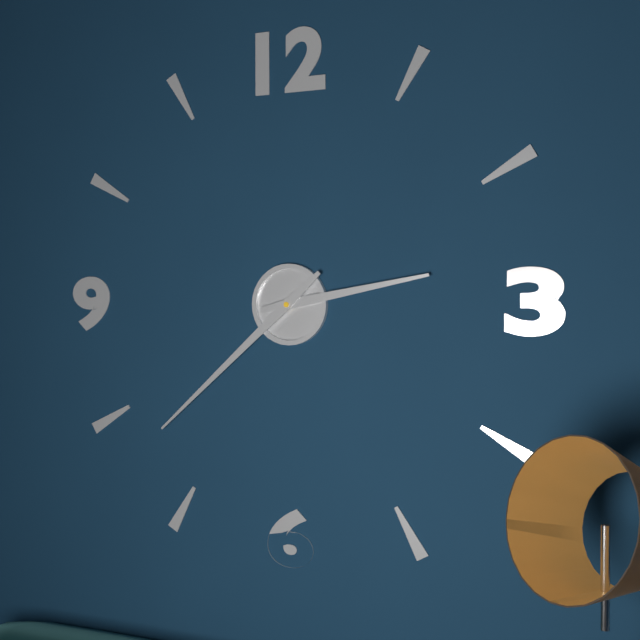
{"hour": 2, "minute": 38}
